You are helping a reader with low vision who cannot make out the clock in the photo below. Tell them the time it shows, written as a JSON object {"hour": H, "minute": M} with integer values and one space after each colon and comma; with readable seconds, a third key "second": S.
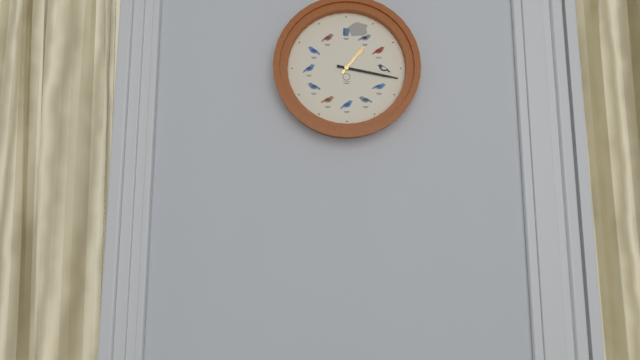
{"hour": 1, "minute": 17}
